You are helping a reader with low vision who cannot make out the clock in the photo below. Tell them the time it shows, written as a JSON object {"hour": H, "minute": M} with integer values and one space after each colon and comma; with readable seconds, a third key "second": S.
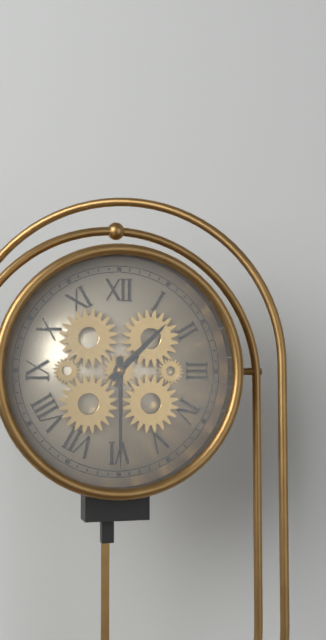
{"hour": 1, "minute": 30}
